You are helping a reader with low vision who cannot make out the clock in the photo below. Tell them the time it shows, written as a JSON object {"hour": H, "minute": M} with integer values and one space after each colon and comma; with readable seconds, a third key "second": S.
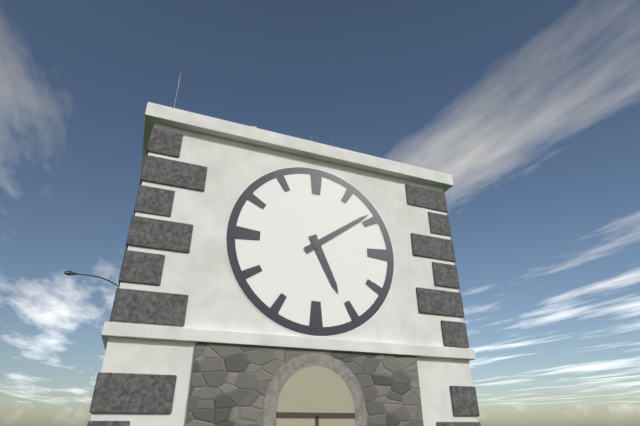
{"hour": 5, "minute": 9}
